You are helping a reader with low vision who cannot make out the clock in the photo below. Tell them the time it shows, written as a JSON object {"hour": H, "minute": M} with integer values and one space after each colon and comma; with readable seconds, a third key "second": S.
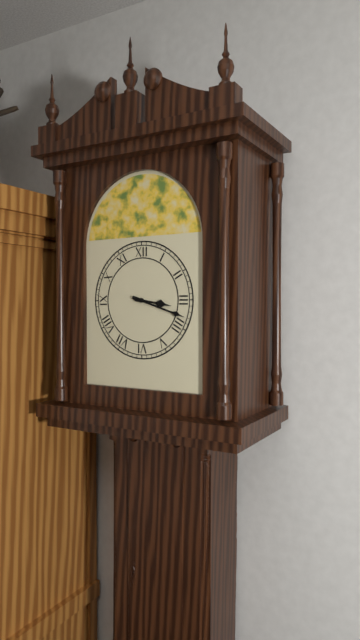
{"hour": 3, "minute": 18}
